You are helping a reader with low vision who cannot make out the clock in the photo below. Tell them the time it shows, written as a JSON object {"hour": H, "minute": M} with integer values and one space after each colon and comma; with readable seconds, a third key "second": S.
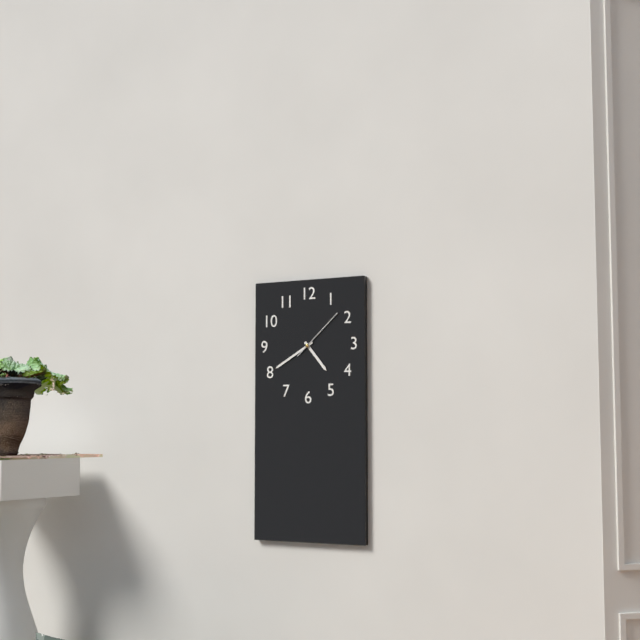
{"hour": 4, "minute": 40, "second": 8}
